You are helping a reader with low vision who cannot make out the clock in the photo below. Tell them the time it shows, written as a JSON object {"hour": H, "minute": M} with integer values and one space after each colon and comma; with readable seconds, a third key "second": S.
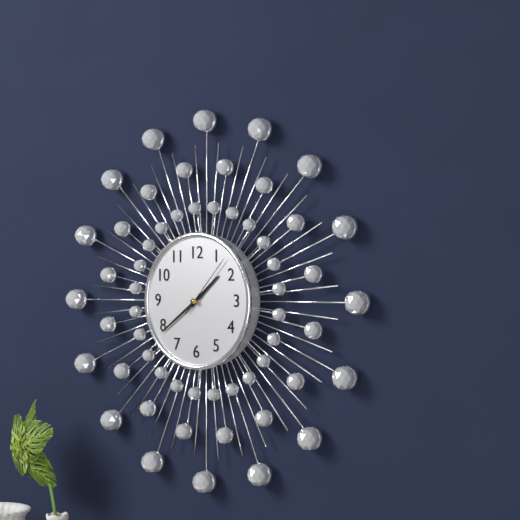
{"hour": 1, "minute": 39, "second": 7}
